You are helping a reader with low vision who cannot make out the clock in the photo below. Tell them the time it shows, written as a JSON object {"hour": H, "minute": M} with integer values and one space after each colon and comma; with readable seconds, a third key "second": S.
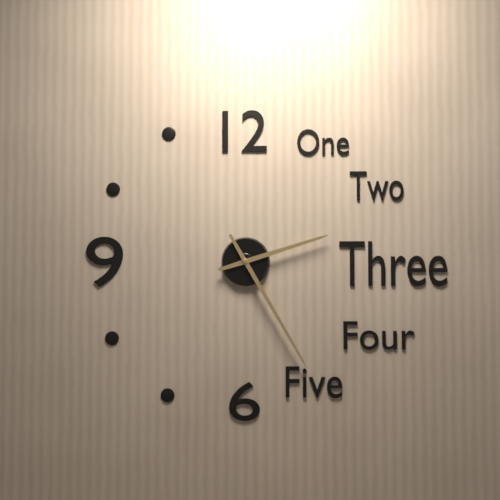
{"hour": 2, "minute": 25}
